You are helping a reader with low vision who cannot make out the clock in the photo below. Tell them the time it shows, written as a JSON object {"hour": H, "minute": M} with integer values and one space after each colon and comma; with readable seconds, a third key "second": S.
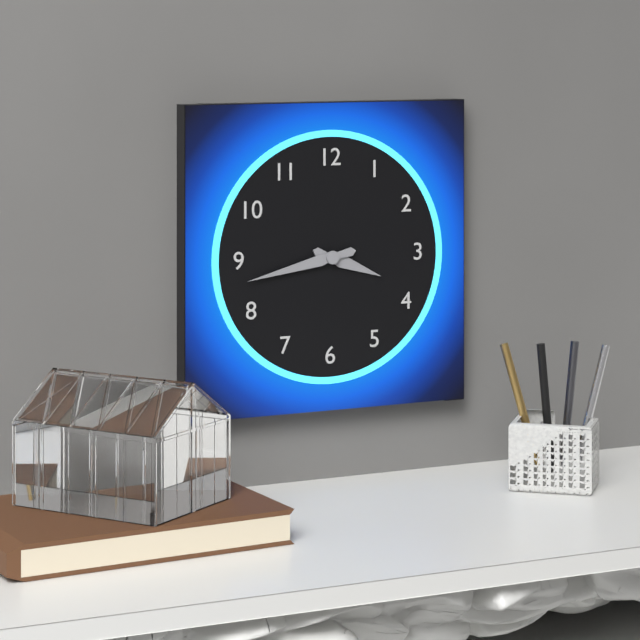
{"hour": 3, "minute": 43}
